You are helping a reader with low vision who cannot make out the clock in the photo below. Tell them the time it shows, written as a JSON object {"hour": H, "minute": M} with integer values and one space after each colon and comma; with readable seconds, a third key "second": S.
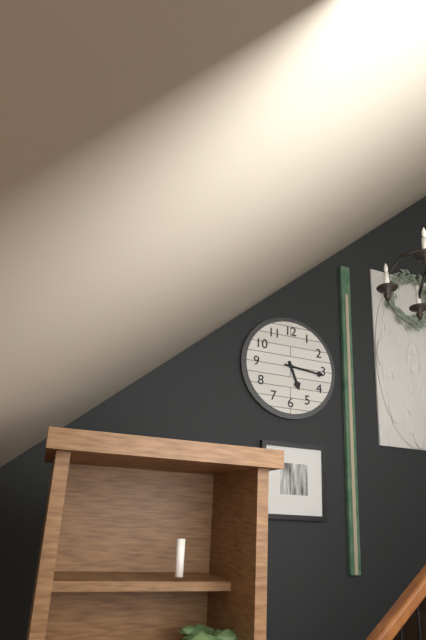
{"hour": 5, "minute": 16}
